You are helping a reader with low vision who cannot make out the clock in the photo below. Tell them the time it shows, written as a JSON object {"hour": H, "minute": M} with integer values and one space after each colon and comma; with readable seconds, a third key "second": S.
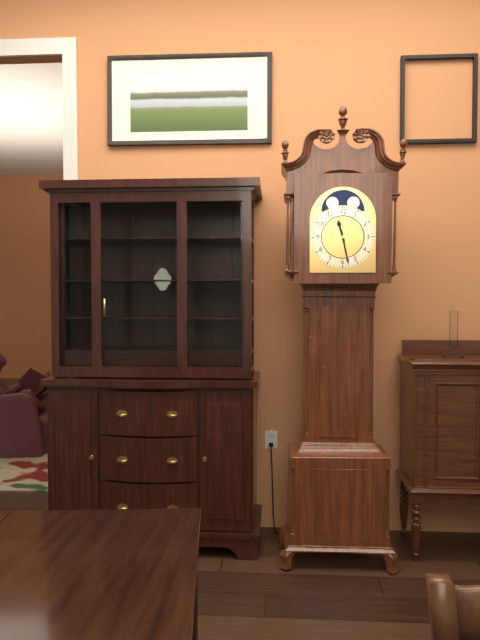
{"hour": 11, "minute": 28}
